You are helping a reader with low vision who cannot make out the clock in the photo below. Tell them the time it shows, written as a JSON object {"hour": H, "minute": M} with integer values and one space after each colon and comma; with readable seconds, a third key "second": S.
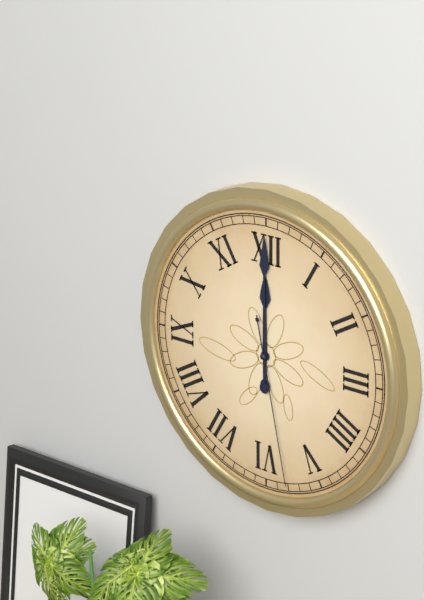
{"hour": 12, "minute": 0, "second": 28}
